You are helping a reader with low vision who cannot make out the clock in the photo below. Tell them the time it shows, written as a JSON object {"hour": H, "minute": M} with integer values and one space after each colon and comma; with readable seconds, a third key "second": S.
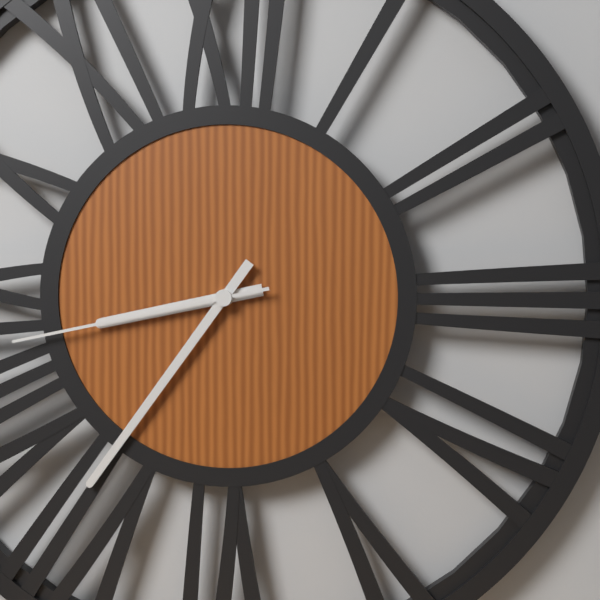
{"hour": 8, "minute": 36, "second": 43}
